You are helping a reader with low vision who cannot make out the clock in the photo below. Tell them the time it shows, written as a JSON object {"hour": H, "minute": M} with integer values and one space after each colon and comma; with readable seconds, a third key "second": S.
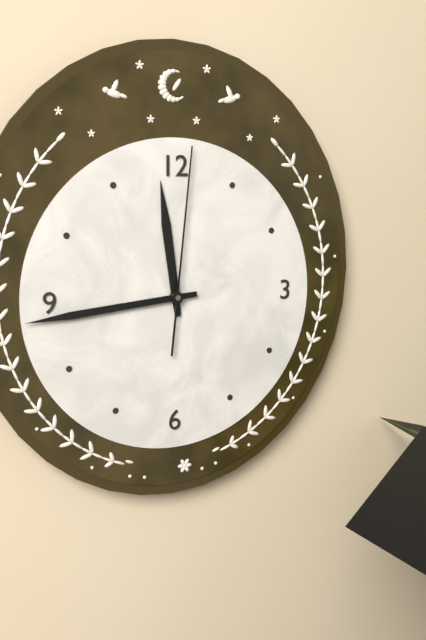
{"hour": 11, "minute": 44, "second": 1}
